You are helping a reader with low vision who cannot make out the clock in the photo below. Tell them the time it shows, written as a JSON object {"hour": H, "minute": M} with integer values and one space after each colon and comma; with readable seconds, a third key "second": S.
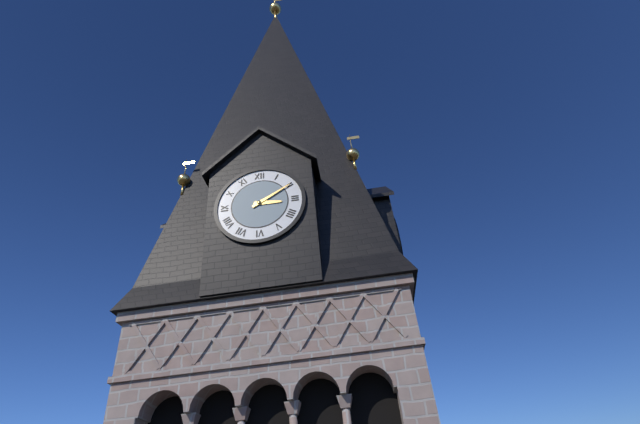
{"hour": 3, "minute": 10}
